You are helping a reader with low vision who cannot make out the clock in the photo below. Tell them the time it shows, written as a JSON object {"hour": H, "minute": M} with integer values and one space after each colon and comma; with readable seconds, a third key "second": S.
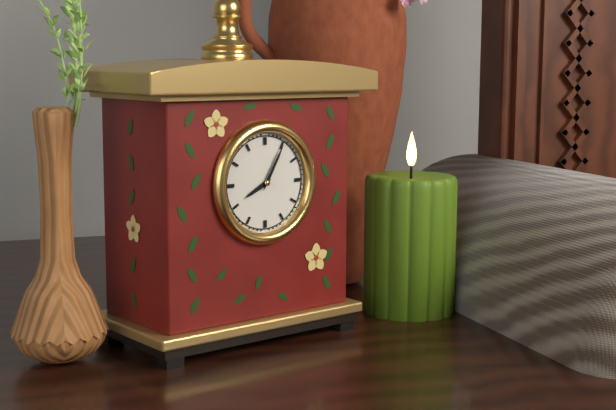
{"hour": 8, "minute": 5}
